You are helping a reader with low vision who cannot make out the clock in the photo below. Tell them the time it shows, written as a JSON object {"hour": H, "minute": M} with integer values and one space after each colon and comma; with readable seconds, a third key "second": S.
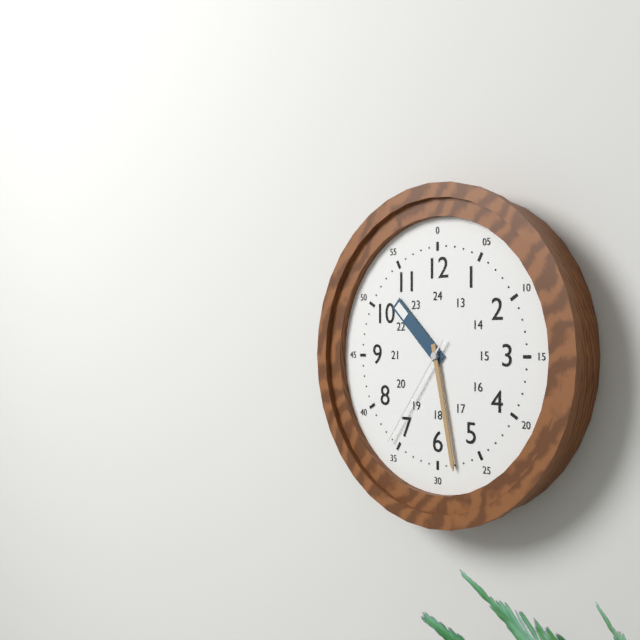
{"hour": 10, "minute": 28, "second": 36}
